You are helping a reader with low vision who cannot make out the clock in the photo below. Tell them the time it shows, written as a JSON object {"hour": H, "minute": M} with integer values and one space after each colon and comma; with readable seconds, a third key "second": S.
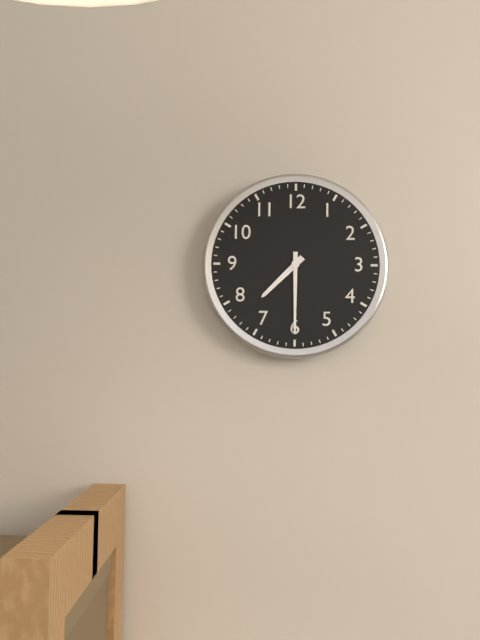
{"hour": 7, "minute": 30}
